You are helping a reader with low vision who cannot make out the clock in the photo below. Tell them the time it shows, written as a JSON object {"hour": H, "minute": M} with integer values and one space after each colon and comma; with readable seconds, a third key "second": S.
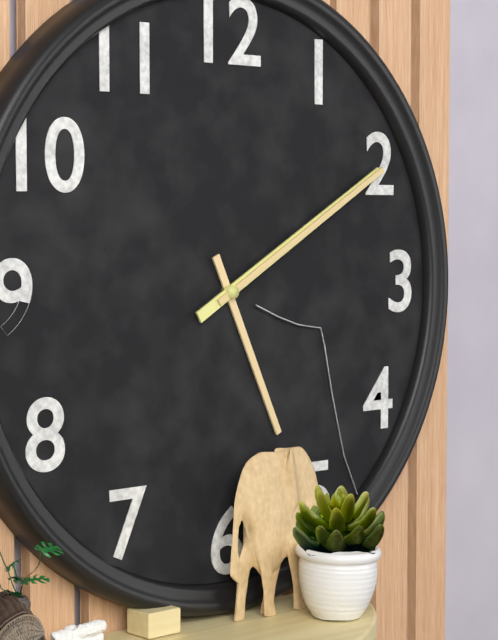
{"hour": 5, "minute": 10, "second": 10}
